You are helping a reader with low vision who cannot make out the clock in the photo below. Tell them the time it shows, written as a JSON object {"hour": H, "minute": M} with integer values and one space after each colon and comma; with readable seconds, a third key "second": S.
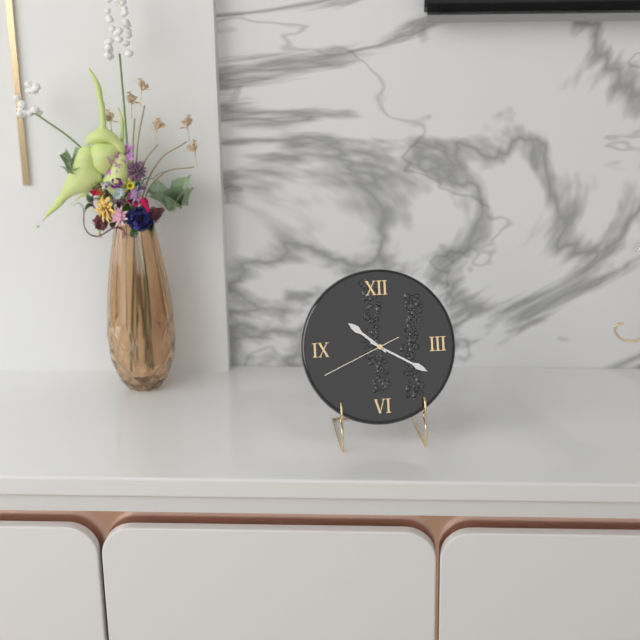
{"hour": 10, "minute": 20, "second": 41}
